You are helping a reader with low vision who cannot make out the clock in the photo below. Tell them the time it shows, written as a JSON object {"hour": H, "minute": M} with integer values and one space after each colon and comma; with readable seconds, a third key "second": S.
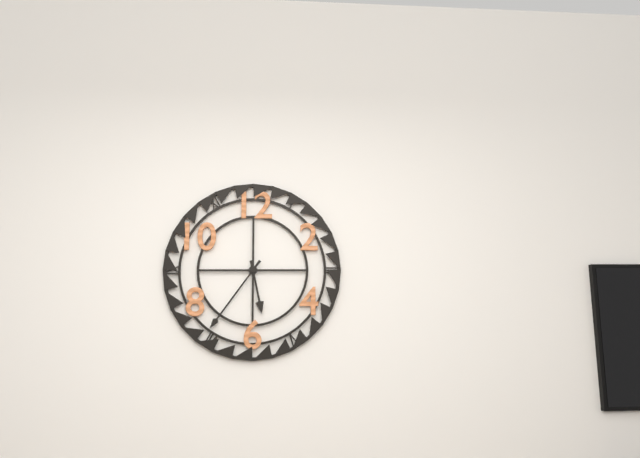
{"hour": 5, "minute": 36}
